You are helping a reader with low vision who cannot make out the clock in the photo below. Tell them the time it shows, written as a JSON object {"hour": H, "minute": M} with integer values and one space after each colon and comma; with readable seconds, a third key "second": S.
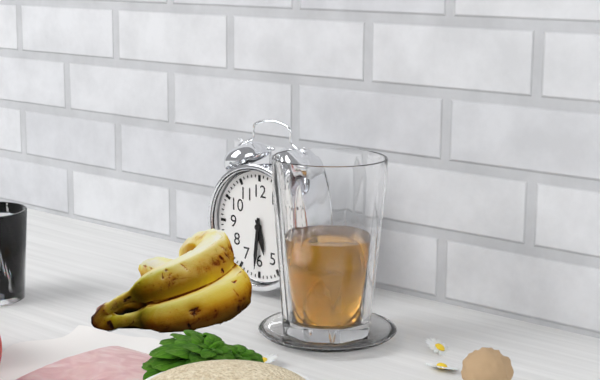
{"hour": 5, "minute": 31}
